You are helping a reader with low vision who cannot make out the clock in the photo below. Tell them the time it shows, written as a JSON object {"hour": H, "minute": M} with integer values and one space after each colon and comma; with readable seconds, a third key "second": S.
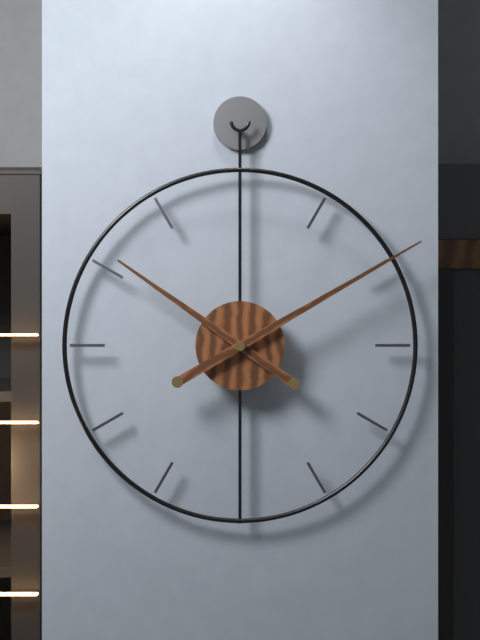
{"hour": 10, "minute": 10}
